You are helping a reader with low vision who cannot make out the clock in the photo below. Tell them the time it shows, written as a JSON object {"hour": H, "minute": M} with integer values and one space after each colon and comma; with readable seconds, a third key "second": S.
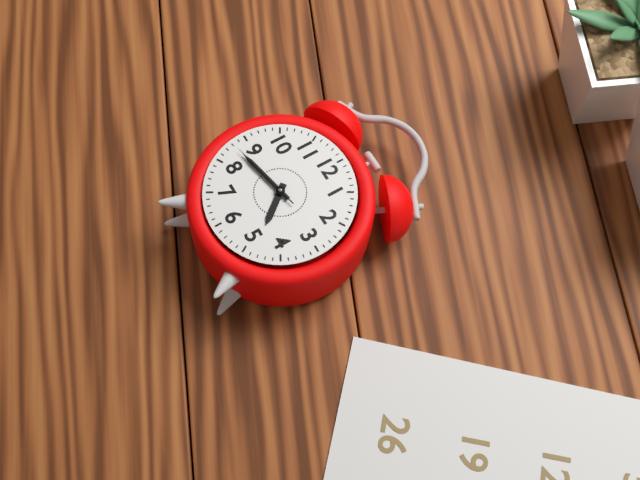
{"hour": 4, "minute": 43, "second": 43}
